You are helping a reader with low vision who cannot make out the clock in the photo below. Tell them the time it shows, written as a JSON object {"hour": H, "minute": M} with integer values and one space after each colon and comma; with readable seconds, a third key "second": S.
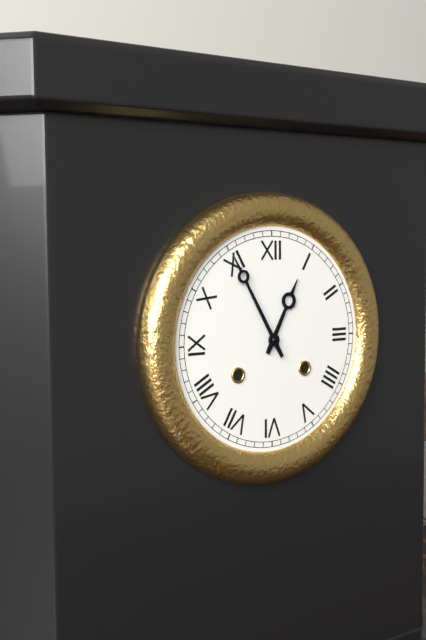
{"hour": 12, "minute": 55}
